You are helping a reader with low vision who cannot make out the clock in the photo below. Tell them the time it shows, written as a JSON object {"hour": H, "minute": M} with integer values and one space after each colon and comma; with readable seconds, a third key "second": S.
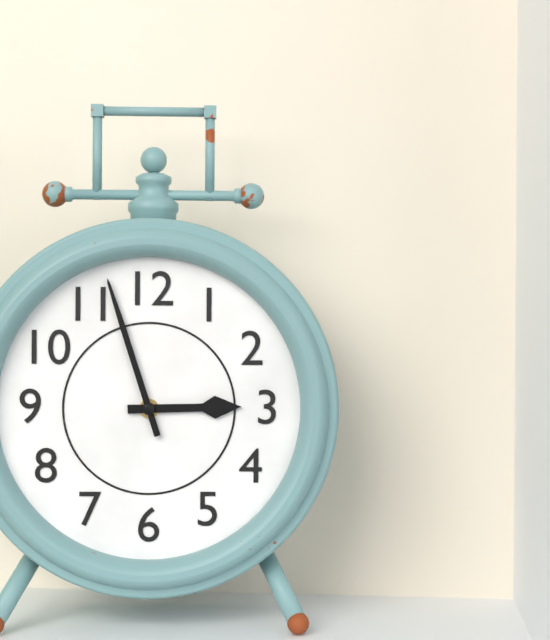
{"hour": 2, "minute": 57}
